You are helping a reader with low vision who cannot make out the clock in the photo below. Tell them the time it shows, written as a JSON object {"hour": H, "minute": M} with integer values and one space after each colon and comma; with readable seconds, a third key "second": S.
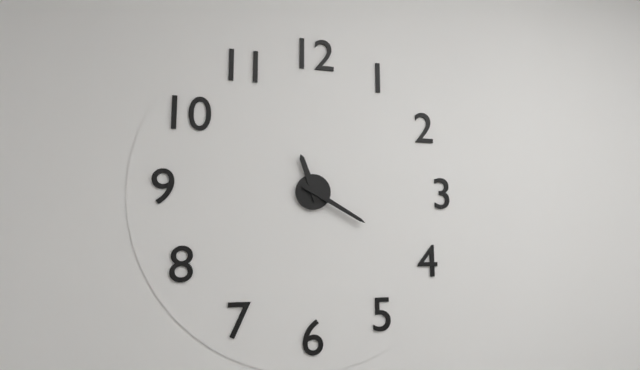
{"hour": 11, "minute": 20}
